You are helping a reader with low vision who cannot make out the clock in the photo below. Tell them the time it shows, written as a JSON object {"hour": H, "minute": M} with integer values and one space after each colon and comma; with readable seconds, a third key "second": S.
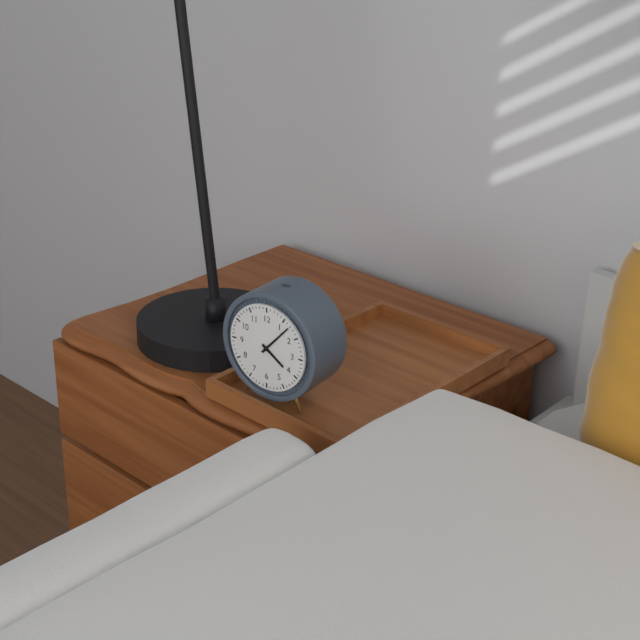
{"hour": 4, "minute": 7}
